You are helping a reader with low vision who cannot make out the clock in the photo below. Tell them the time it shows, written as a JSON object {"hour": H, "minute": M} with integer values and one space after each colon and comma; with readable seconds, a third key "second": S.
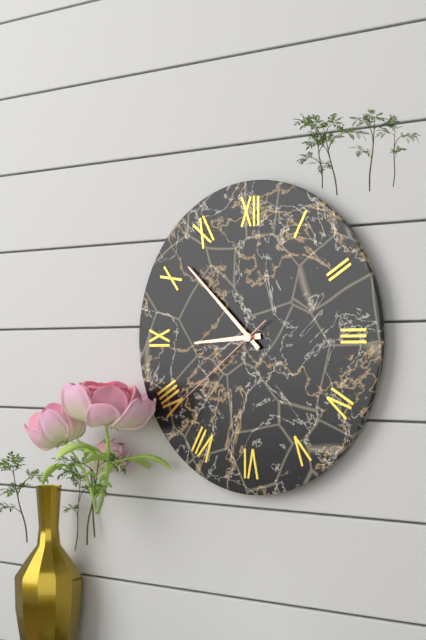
{"hour": 8, "minute": 52, "second": 39}
